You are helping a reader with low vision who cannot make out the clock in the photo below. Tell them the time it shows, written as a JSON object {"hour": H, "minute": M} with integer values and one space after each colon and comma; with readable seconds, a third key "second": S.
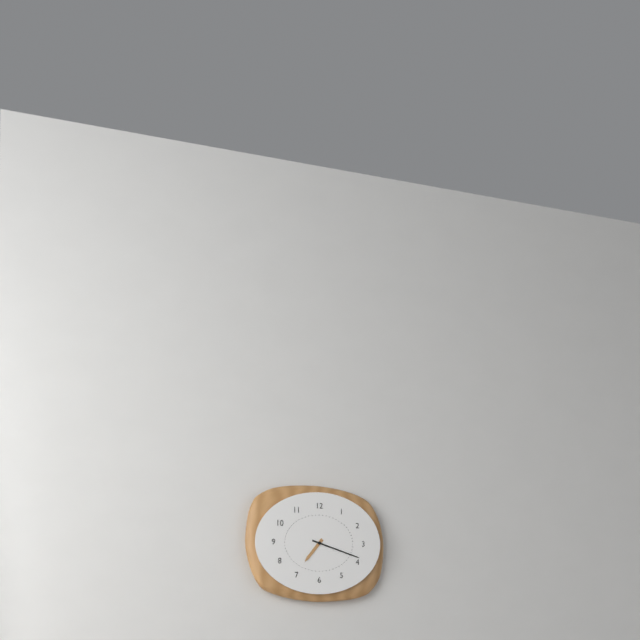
{"hour": 7, "minute": 18}
